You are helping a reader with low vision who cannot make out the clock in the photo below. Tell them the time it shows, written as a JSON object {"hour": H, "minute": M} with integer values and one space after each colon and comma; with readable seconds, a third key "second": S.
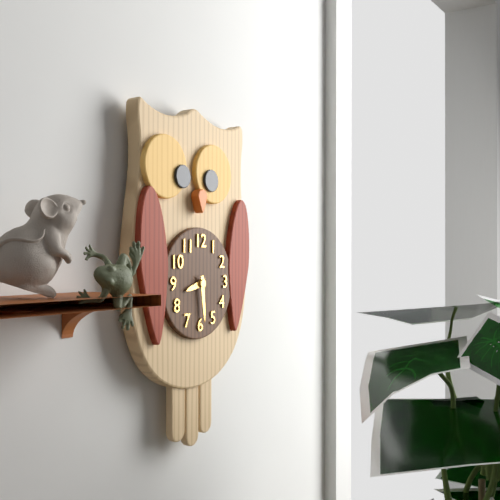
{"hour": 8, "minute": 29}
